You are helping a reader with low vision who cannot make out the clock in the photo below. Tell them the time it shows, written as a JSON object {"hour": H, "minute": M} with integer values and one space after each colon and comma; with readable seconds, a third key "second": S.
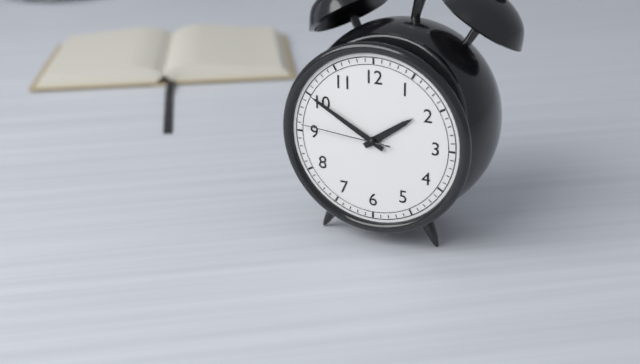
{"hour": 1, "minute": 50, "second": 46}
